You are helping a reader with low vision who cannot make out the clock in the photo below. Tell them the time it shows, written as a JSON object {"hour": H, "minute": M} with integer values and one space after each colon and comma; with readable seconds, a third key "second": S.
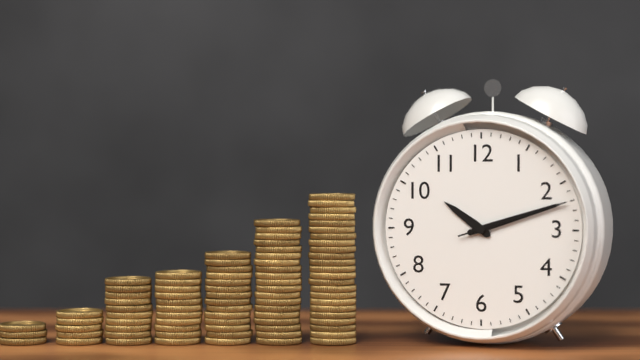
{"hour": 10, "minute": 12, "second": 12}
